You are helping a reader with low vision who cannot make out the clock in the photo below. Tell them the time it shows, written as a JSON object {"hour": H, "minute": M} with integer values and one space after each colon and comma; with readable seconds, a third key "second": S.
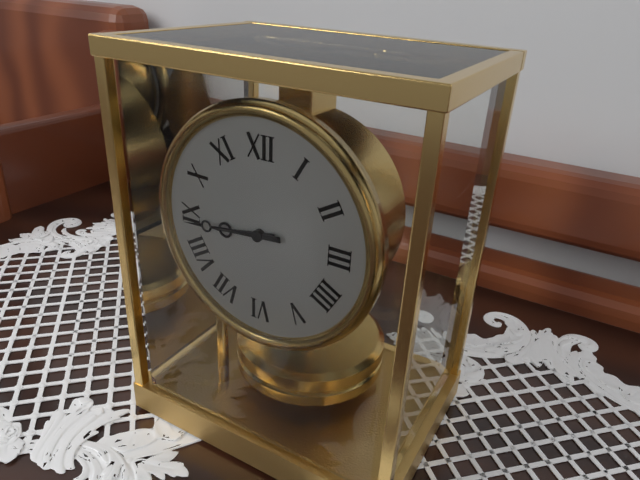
{"hour": 8, "minute": 44}
